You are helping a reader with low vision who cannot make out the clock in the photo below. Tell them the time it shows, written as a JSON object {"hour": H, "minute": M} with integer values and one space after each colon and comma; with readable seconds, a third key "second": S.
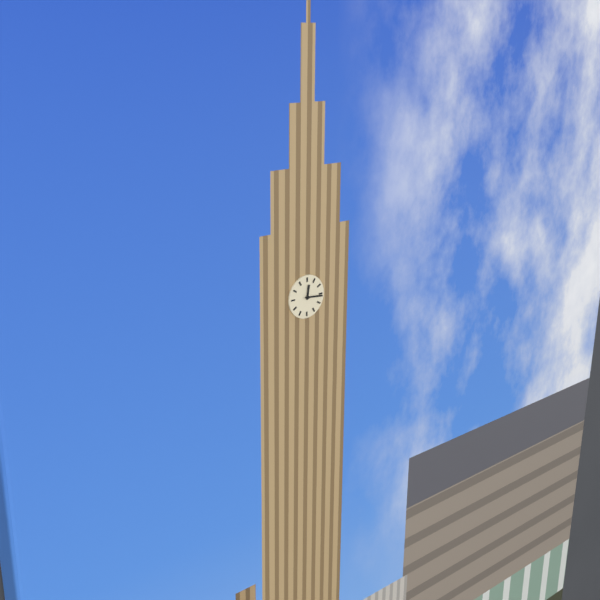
{"hour": 12, "minute": 16}
